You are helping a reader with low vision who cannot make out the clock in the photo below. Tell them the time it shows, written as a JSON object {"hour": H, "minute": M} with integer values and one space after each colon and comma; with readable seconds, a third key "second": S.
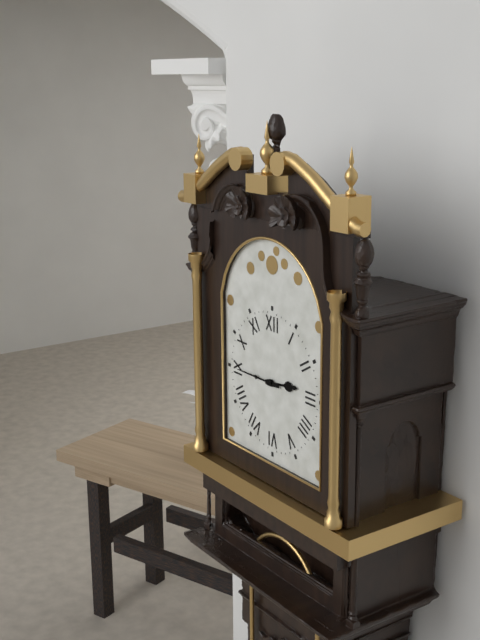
{"hour": 2, "minute": 45}
